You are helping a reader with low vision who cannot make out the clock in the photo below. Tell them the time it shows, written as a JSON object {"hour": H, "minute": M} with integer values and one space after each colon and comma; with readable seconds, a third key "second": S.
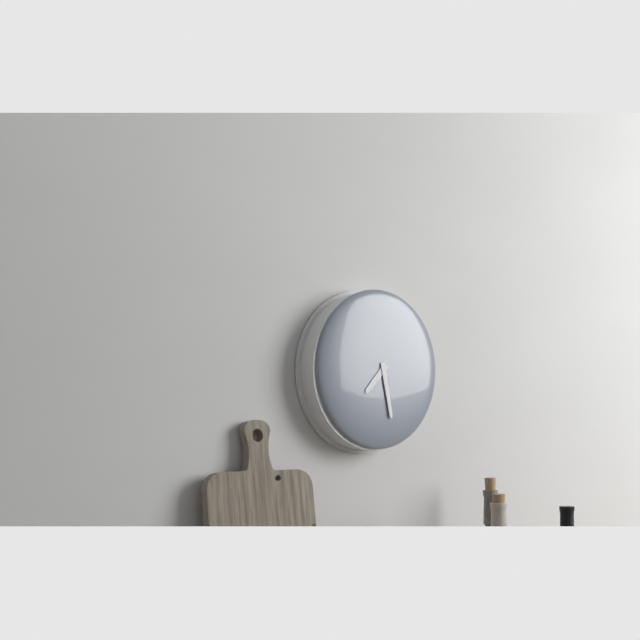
{"hour": 7, "minute": 28}
